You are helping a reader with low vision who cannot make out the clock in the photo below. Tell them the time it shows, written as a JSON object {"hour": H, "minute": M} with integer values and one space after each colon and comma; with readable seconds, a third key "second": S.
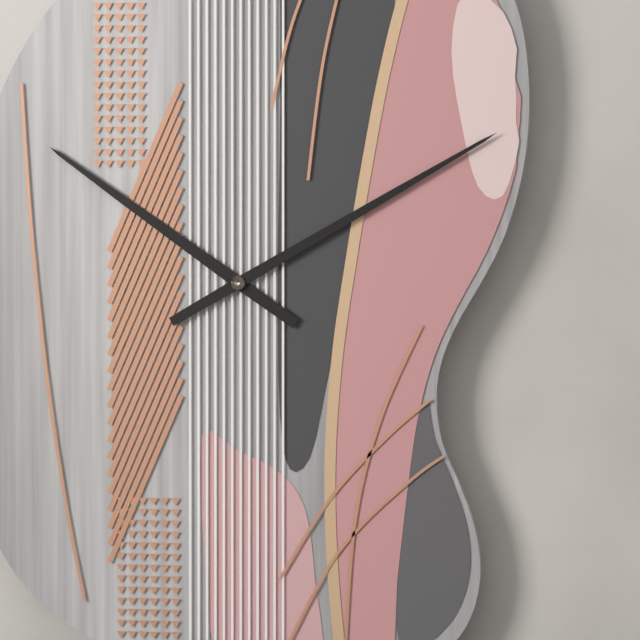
{"hour": 10, "minute": 10}
